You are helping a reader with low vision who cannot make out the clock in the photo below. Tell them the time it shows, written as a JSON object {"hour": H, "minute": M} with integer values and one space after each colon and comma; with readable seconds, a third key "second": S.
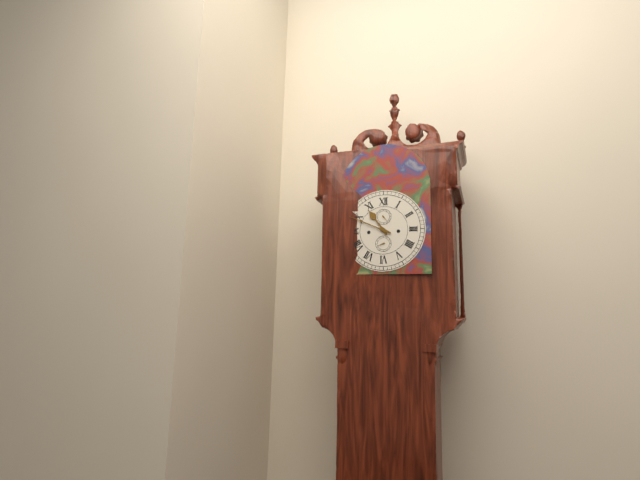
{"hour": 10, "minute": 49}
